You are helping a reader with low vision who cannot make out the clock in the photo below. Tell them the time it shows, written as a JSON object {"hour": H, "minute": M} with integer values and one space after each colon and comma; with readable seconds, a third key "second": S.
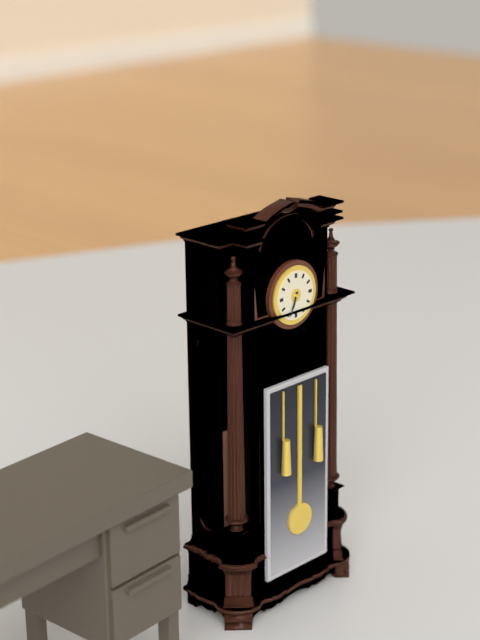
{"hour": 6, "minute": 34}
